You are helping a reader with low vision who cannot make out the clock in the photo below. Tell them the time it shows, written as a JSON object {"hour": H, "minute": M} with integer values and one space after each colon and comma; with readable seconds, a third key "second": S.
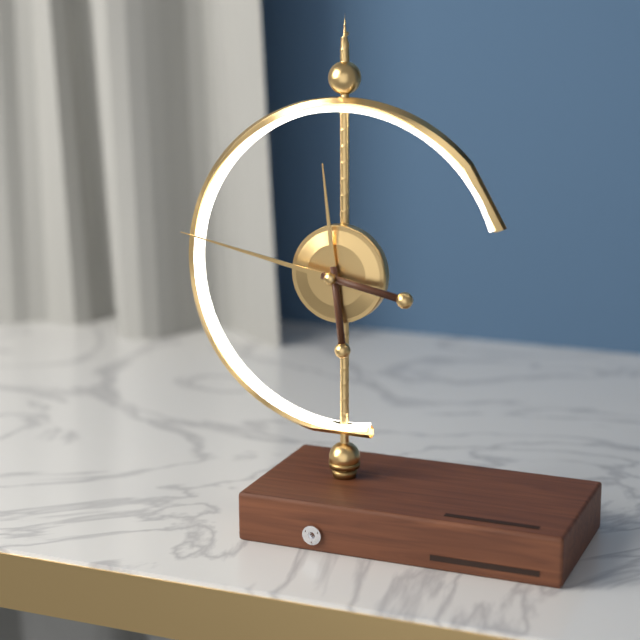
{"hour": 11, "minute": 47}
